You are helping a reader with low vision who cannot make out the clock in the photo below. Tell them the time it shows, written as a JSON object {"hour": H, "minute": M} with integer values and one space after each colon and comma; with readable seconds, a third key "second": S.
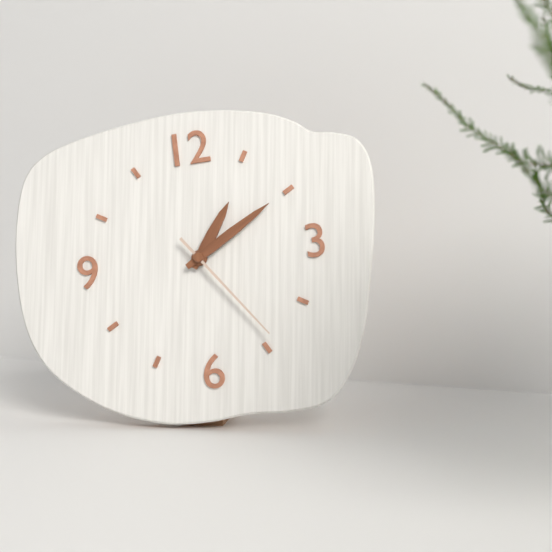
{"hour": 1, "minute": 10, "second": 24}
